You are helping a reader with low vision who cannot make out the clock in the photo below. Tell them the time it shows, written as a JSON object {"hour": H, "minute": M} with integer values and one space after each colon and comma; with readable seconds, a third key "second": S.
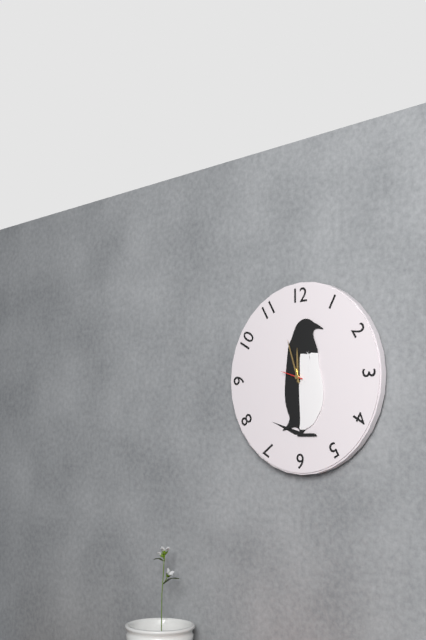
{"hour": 11, "minute": 57}
